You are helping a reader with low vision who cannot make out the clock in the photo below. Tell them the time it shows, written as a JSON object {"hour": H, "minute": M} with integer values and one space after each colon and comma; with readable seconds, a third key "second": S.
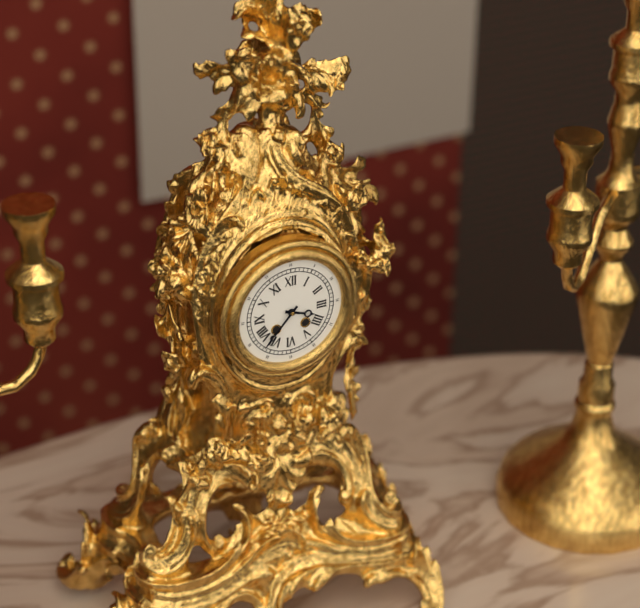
{"hour": 3, "minute": 37}
